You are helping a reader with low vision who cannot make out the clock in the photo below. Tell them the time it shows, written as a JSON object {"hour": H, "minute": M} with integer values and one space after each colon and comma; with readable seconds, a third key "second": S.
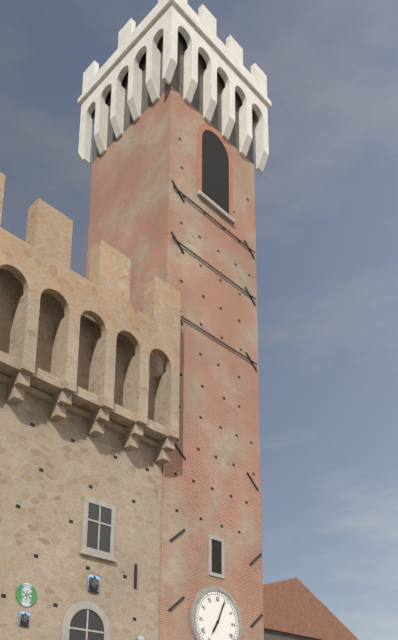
{"hour": 7, "minute": 4}
